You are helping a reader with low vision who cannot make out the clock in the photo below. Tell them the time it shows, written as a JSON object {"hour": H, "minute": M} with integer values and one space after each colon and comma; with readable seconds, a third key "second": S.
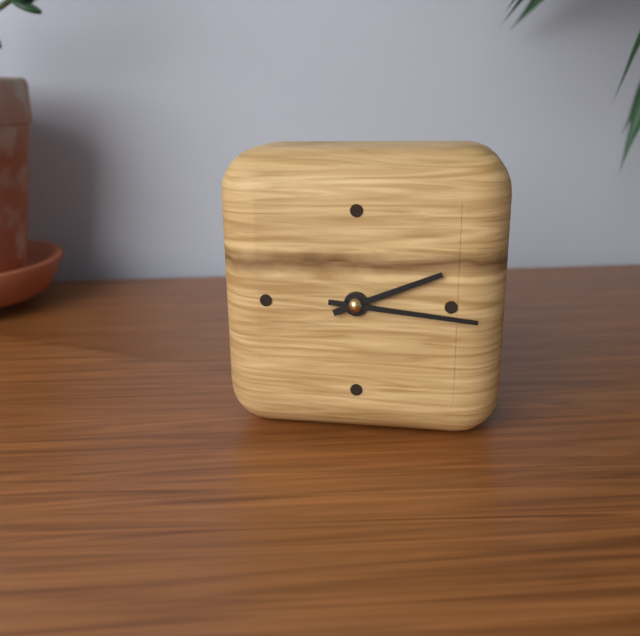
{"hour": 2, "minute": 16}
